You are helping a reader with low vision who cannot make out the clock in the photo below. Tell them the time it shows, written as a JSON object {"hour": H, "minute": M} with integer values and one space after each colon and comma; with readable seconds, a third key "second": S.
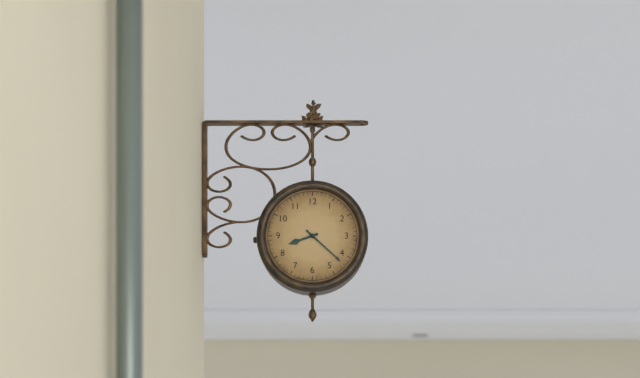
{"hour": 8, "minute": 22}
